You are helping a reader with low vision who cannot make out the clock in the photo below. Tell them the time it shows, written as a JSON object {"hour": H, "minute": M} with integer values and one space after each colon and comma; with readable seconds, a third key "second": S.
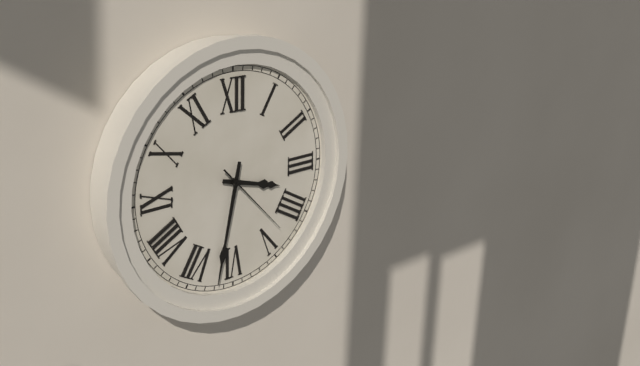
{"hour": 3, "minute": 32, "second": 23}
